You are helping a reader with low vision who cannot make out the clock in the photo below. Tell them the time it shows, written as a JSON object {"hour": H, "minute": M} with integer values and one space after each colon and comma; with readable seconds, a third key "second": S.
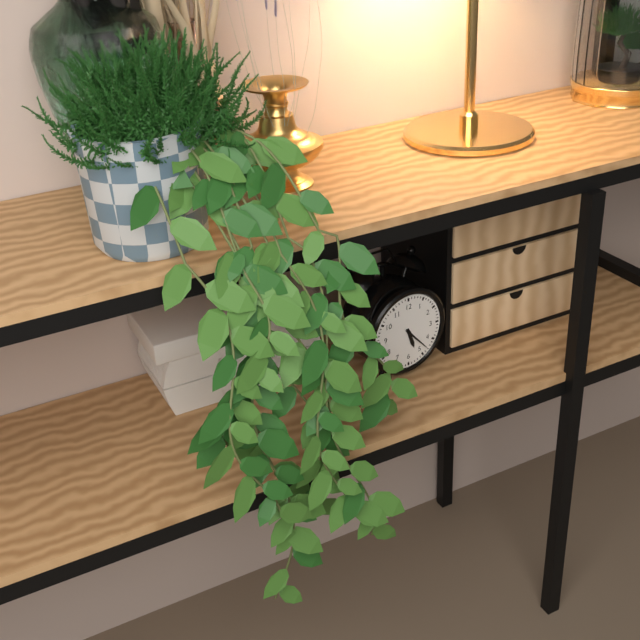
{"hour": 5, "minute": 23}
